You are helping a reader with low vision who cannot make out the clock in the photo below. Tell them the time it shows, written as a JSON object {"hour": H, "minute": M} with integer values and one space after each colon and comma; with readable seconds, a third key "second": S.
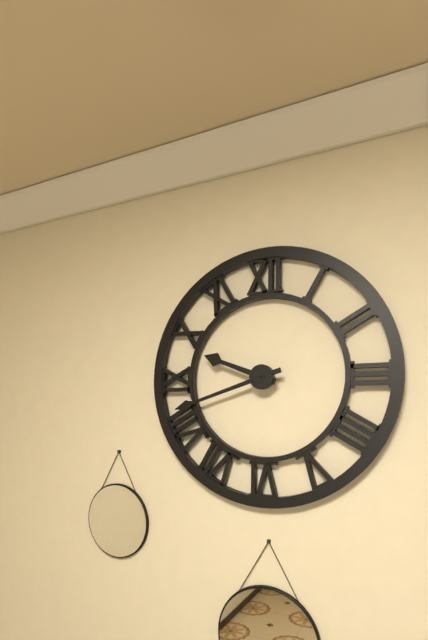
{"hour": 9, "minute": 42}
